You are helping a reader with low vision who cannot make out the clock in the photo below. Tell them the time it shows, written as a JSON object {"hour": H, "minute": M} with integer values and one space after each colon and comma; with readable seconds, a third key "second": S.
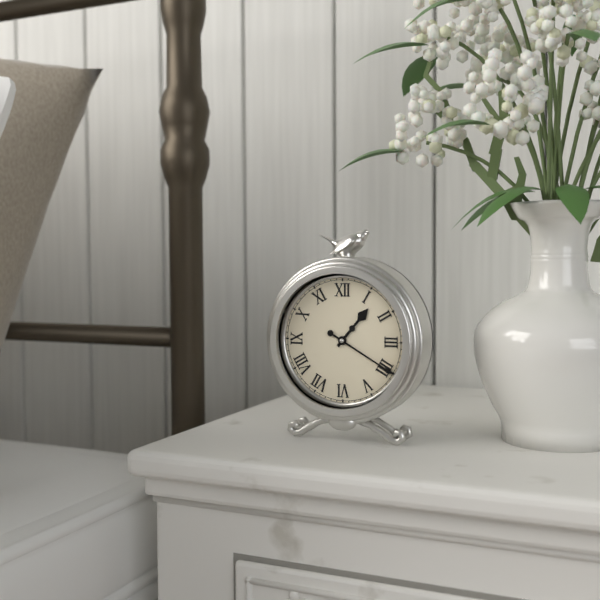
{"hour": 1, "minute": 20}
